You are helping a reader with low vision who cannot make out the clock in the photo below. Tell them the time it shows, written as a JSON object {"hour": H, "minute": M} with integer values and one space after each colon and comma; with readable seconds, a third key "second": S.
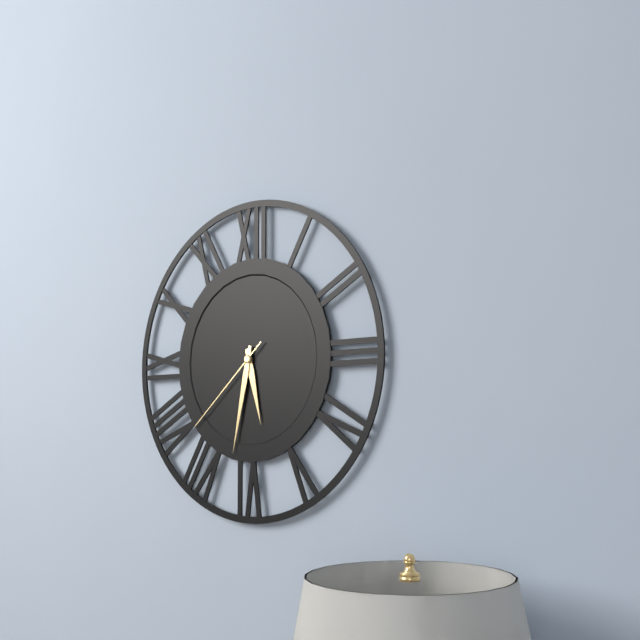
{"hour": 5, "minute": 32, "second": 38}
